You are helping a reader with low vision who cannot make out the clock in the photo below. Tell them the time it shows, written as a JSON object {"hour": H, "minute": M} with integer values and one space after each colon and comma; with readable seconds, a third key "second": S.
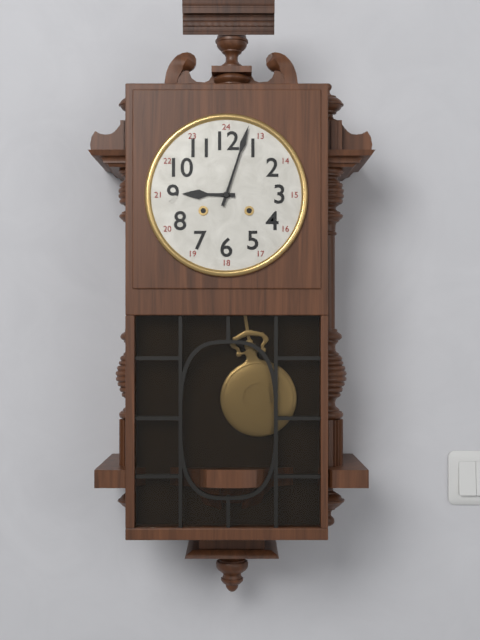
{"hour": 9, "minute": 3}
